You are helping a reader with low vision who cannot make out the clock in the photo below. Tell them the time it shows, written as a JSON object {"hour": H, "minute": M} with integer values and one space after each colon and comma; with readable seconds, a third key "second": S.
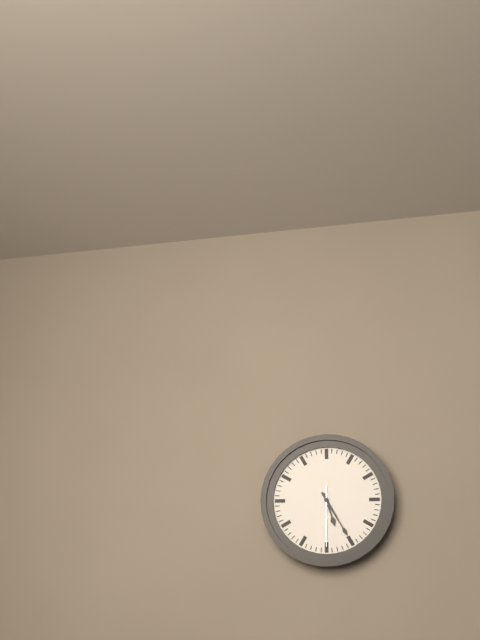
{"hour": 5, "minute": 25, "second": 30}
